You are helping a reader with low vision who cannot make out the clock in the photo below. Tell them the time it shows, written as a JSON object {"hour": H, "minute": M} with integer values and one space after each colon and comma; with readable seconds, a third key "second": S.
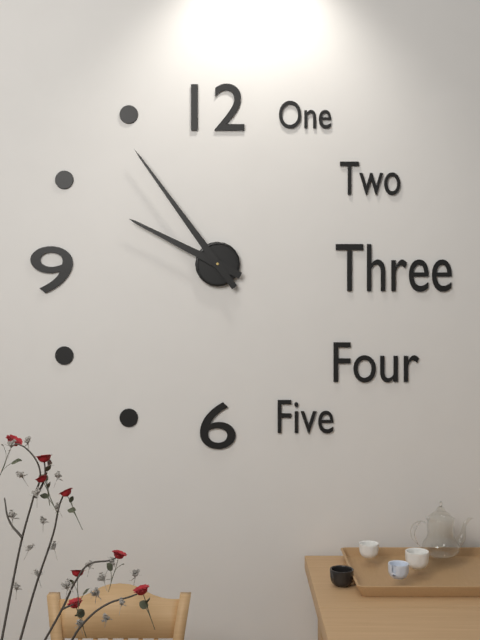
{"hour": 9, "minute": 54}
